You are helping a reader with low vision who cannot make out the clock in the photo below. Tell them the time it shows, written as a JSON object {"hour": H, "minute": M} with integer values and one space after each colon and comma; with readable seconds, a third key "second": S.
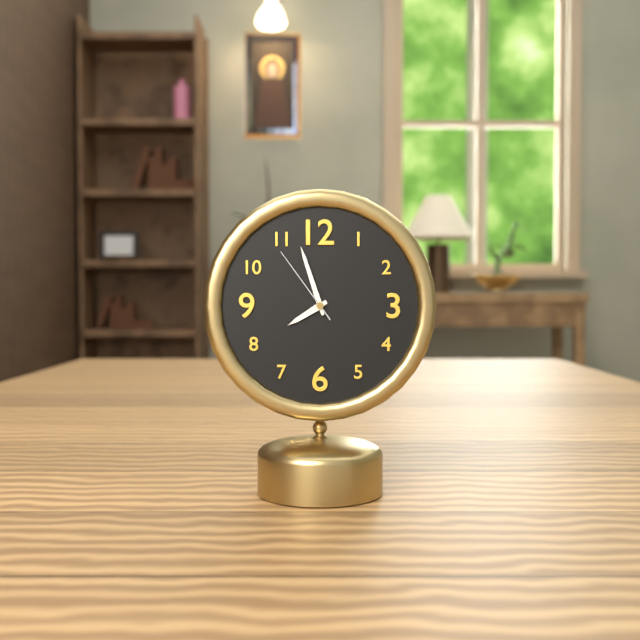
{"hour": 7, "minute": 57, "second": 54}
